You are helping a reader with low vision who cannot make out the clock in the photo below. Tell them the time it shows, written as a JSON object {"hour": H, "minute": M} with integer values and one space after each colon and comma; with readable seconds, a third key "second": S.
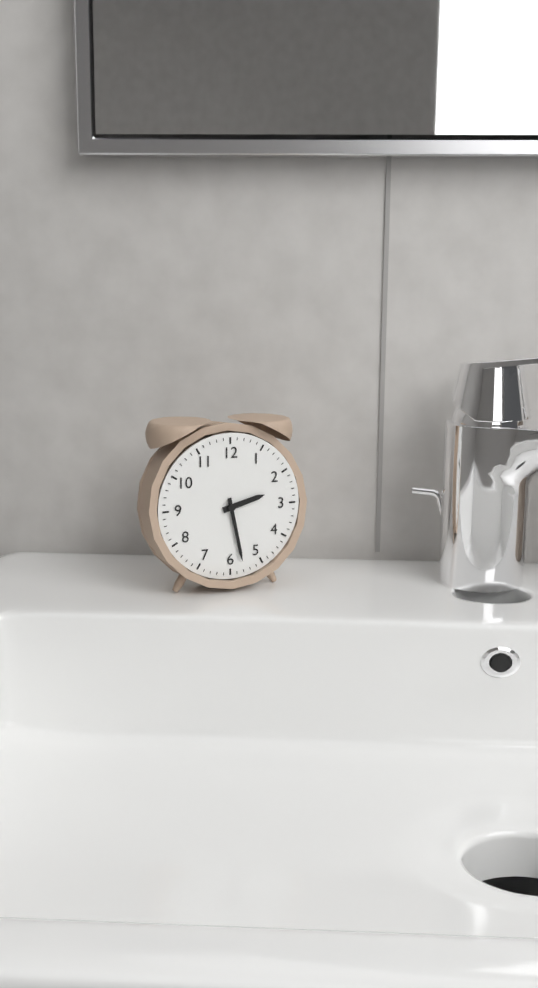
{"hour": 2, "minute": 28}
